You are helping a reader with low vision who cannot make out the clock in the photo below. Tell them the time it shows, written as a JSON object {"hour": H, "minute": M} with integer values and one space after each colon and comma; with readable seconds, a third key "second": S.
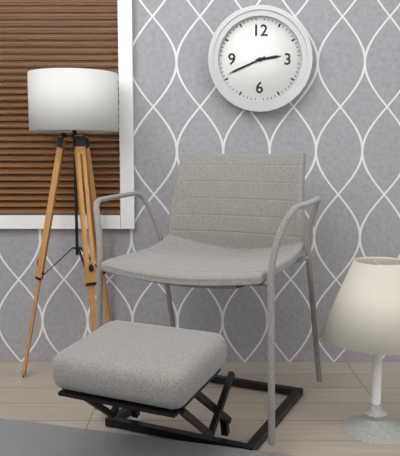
{"hour": 2, "minute": 41}
